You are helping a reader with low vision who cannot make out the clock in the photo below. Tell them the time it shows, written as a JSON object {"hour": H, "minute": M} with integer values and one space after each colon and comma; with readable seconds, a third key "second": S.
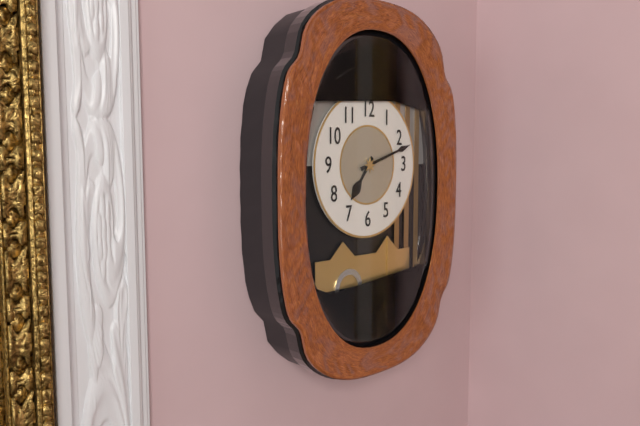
{"hour": 7, "minute": 12}
